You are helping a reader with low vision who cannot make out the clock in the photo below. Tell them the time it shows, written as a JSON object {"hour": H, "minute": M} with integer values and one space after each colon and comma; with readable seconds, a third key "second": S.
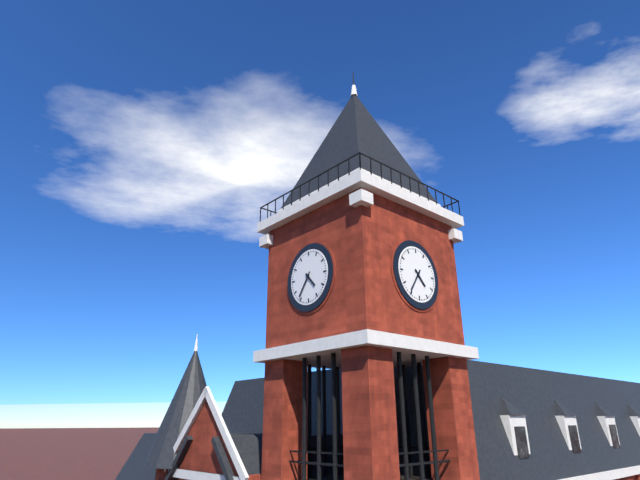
{"hour": 4, "minute": 36}
